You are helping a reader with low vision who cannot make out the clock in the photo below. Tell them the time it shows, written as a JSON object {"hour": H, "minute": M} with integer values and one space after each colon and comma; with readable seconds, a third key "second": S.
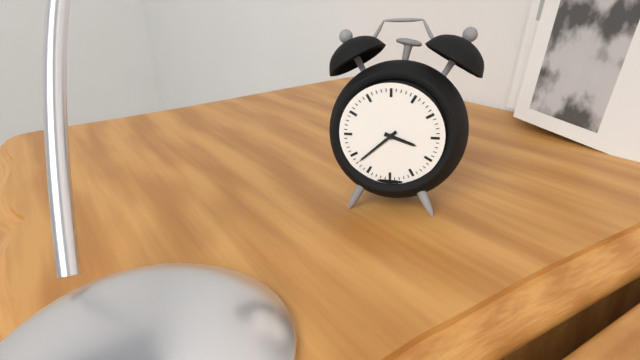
{"hour": 3, "minute": 38}
